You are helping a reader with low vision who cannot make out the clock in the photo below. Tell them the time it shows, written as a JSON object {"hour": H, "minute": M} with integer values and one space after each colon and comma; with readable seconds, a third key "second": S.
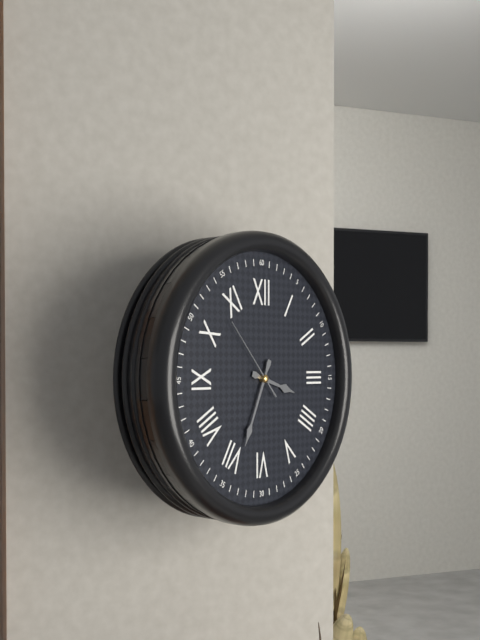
{"hour": 3, "minute": 34, "second": 53}
